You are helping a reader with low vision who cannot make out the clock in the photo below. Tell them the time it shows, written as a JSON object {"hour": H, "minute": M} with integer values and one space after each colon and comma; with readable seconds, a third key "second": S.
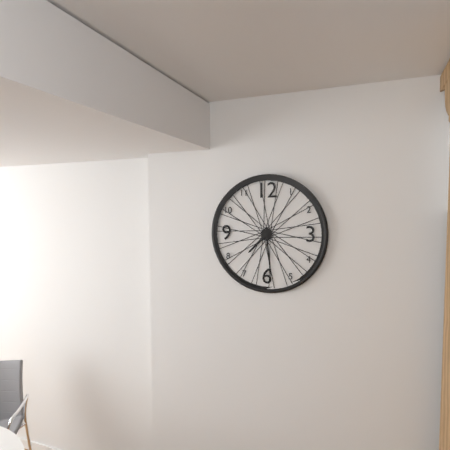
{"hour": 7, "minute": 29}
